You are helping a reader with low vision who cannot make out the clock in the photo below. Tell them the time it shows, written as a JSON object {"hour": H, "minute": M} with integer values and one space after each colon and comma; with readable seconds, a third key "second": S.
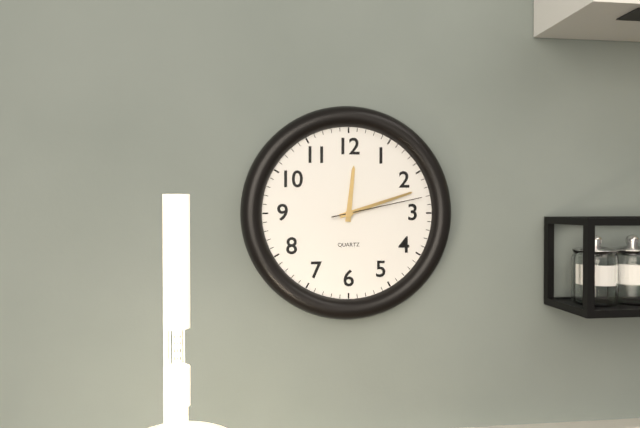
{"hour": 12, "minute": 12, "second": 13}
